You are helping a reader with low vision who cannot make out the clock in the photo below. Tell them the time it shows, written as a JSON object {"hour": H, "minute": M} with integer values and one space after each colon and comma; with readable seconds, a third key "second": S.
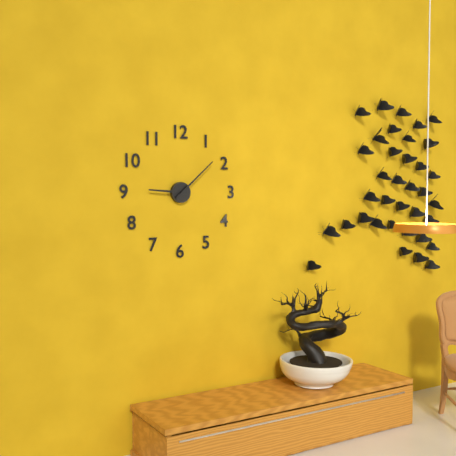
{"hour": 9, "minute": 8}
